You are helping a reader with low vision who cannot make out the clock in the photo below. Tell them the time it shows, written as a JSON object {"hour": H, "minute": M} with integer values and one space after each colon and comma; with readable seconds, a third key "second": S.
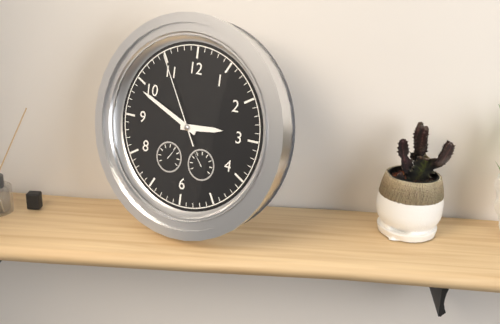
{"hour": 2, "minute": 49, "second": 55}
